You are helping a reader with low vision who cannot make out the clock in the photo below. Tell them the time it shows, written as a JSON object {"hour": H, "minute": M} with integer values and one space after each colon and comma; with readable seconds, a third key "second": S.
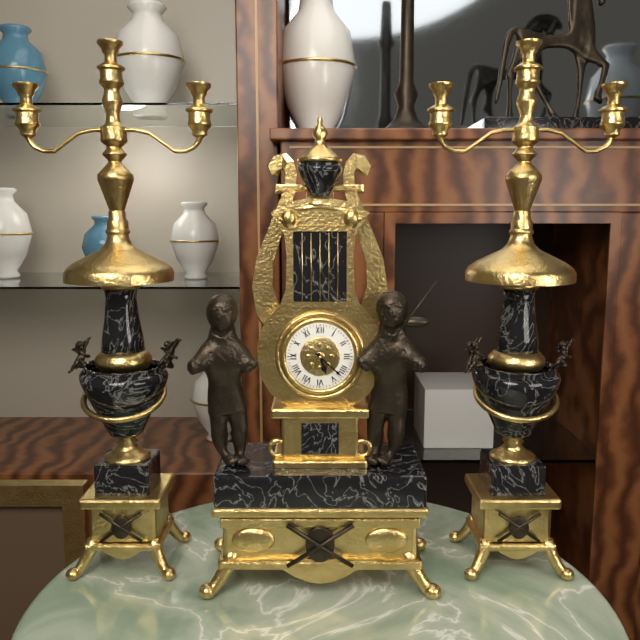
{"hour": 5, "minute": 22}
